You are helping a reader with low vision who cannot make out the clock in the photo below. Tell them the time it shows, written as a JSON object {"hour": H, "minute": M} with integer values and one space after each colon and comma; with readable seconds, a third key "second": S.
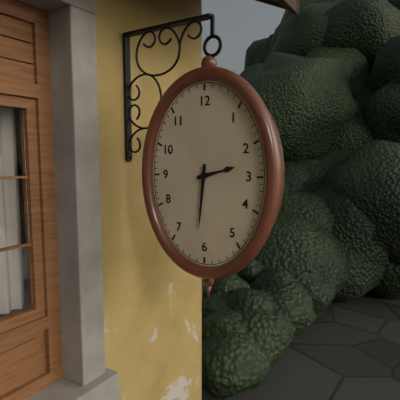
{"hour": 2, "minute": 31}
